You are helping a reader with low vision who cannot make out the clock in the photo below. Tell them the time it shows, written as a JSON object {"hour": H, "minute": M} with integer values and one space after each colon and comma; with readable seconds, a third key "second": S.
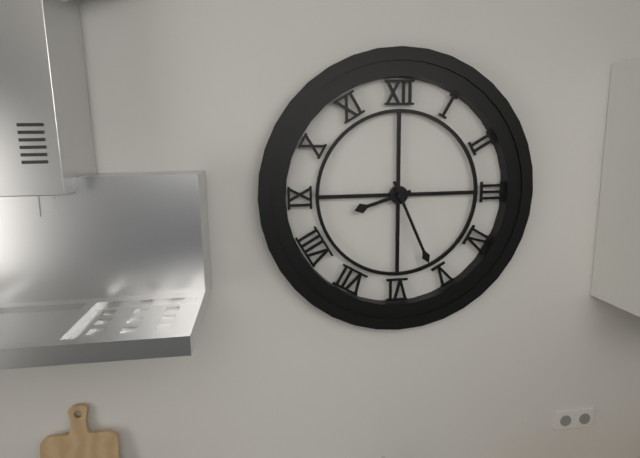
{"hour": 8, "minute": 26}
